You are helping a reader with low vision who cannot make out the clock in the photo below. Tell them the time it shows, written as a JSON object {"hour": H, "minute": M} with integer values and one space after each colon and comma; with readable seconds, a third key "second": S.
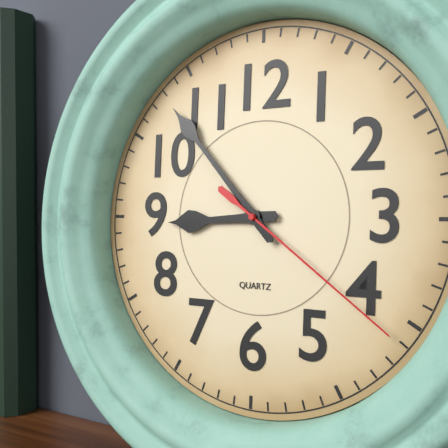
{"hour": 8, "minute": 53, "second": 21}
